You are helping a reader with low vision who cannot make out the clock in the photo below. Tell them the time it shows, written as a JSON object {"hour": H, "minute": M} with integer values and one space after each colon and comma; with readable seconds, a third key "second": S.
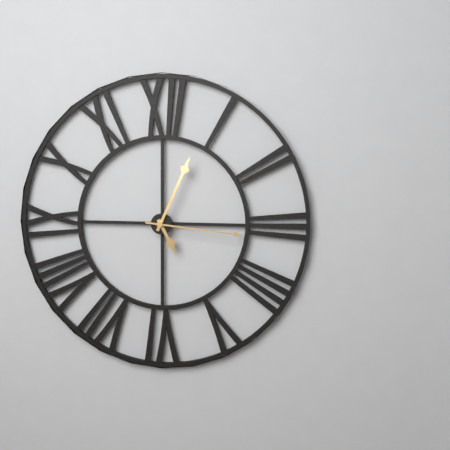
{"hour": 5, "minute": 4, "second": 16}
